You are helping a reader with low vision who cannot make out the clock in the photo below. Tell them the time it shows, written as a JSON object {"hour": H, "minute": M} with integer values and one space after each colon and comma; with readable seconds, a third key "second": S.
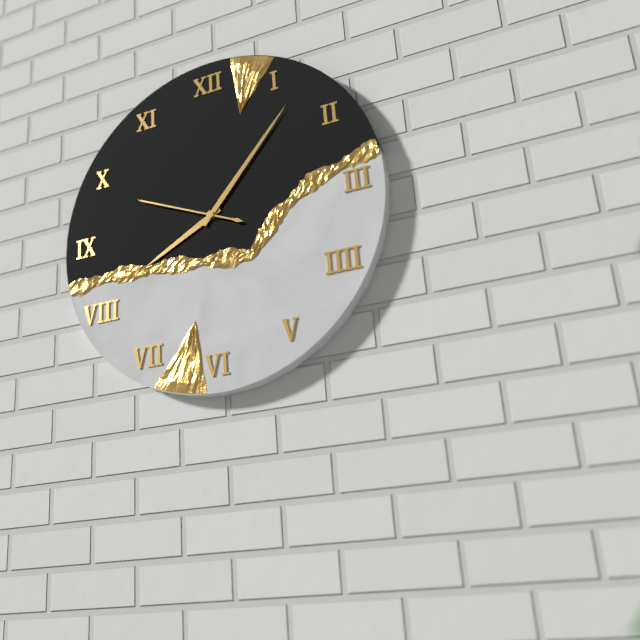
{"hour": 8, "minute": 7, "second": 49}
